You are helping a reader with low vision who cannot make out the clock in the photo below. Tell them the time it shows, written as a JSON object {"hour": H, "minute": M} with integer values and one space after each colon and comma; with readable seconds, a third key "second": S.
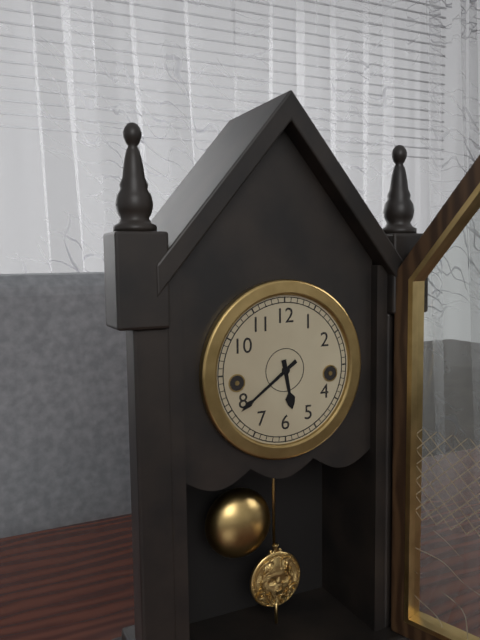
{"hour": 5, "minute": 39}
